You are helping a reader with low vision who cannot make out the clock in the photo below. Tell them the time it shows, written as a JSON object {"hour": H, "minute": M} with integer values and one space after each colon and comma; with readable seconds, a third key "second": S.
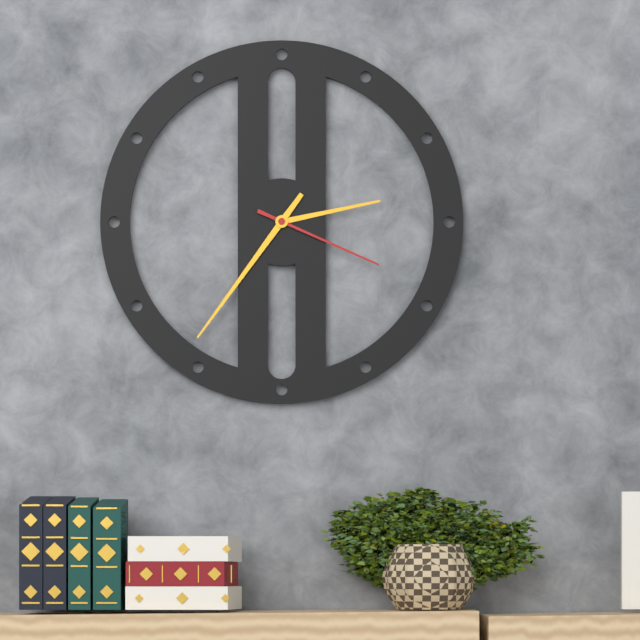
{"hour": 2, "minute": 36, "second": 19}
